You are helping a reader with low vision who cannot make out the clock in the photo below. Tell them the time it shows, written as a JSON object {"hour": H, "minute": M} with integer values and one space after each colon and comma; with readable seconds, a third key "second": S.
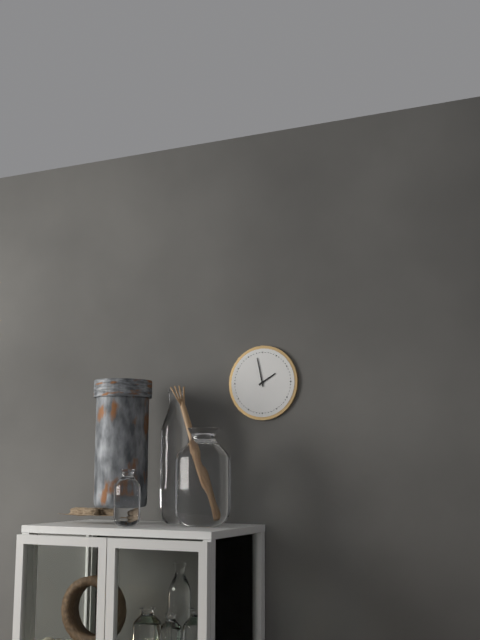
{"hour": 1, "minute": 58}
